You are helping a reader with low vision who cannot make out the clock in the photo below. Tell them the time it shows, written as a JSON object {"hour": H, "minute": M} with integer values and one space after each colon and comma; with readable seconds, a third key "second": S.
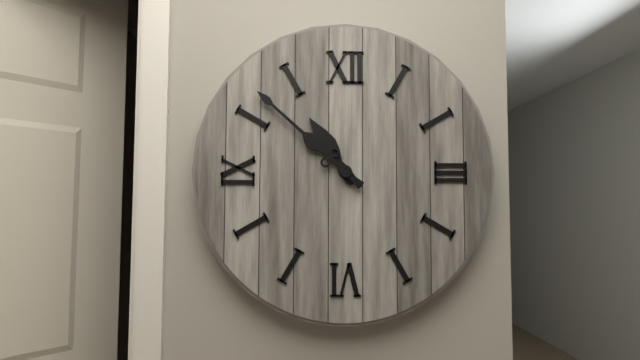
{"hour": 10, "minute": 52}
